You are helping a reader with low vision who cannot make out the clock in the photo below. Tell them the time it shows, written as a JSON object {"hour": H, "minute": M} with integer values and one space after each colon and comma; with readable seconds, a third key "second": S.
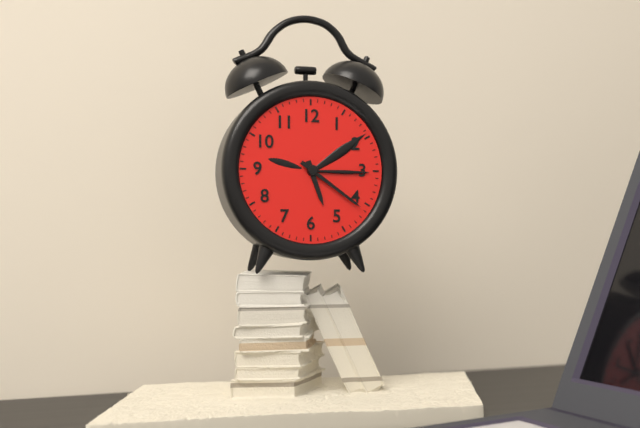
{"hour": 5, "minute": 21}
